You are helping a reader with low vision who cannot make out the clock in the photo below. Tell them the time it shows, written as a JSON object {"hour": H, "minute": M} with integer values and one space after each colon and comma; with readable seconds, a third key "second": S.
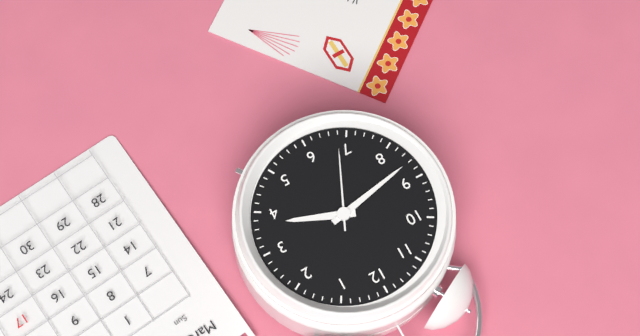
{"hour": 3, "minute": 43, "second": 34}
